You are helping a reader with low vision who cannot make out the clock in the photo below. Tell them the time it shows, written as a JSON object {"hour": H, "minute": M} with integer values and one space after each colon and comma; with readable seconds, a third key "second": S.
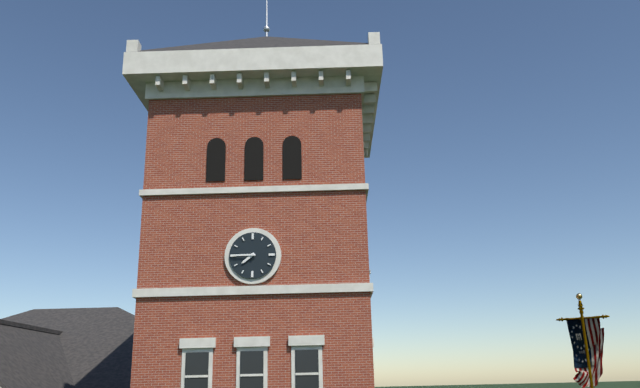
{"hour": 7, "minute": 45}
